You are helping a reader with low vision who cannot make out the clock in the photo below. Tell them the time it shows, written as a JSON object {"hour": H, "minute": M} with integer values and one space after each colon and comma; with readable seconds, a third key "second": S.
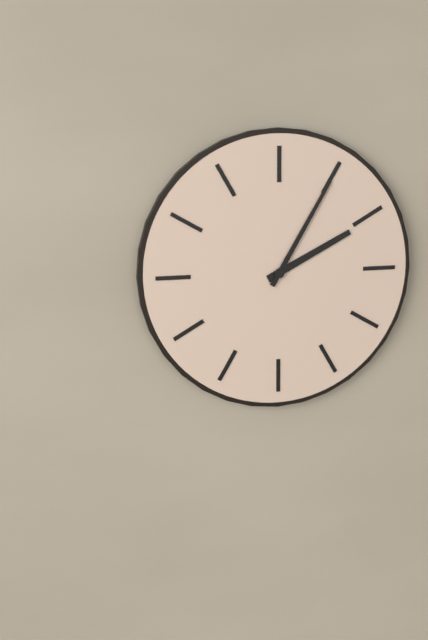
{"hour": 2, "minute": 5}
